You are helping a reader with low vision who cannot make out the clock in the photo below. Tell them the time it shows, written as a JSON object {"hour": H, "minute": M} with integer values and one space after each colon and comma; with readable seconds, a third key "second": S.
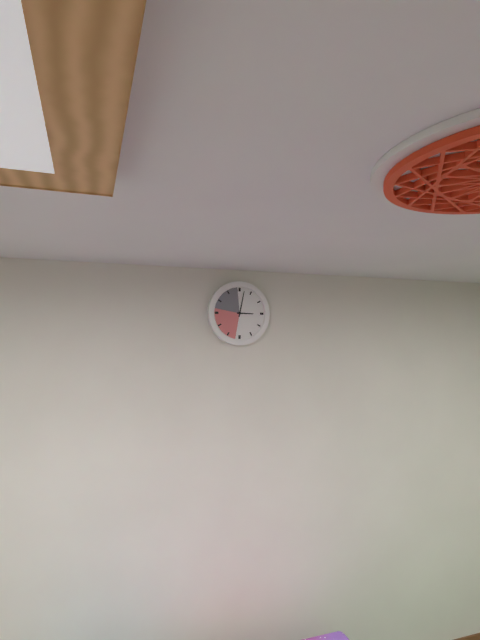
{"hour": 3, "minute": 2}
